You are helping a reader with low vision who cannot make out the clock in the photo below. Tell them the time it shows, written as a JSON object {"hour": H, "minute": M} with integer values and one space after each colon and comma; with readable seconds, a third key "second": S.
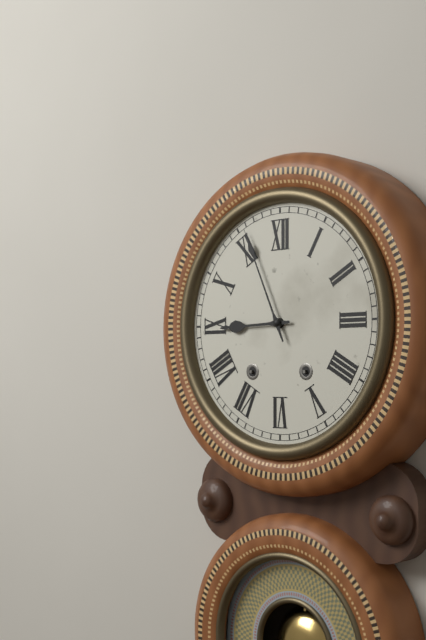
{"hour": 8, "minute": 56}
